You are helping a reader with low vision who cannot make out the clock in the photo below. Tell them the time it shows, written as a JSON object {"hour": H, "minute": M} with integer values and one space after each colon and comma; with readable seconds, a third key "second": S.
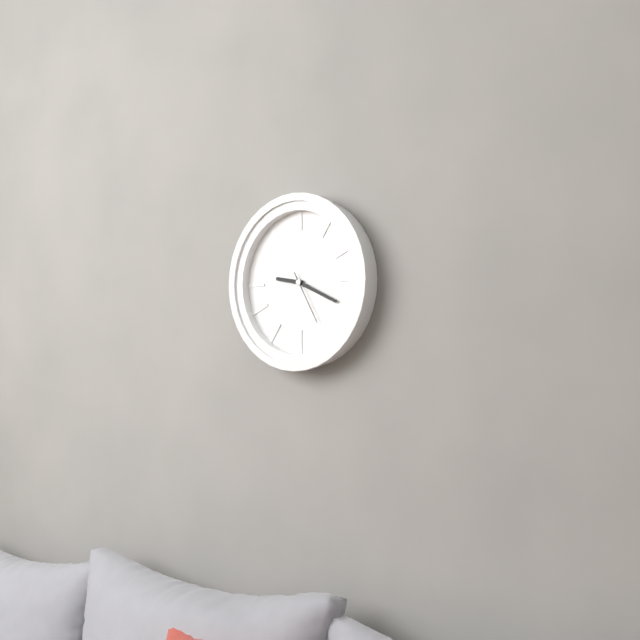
{"hour": 9, "minute": 19, "second": 25}
